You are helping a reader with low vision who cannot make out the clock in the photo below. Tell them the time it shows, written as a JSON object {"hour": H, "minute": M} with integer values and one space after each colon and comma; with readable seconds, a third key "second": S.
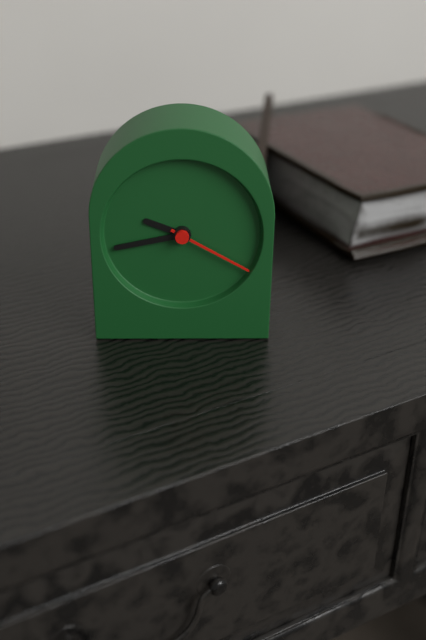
{"hour": 9, "minute": 43, "second": 20}
